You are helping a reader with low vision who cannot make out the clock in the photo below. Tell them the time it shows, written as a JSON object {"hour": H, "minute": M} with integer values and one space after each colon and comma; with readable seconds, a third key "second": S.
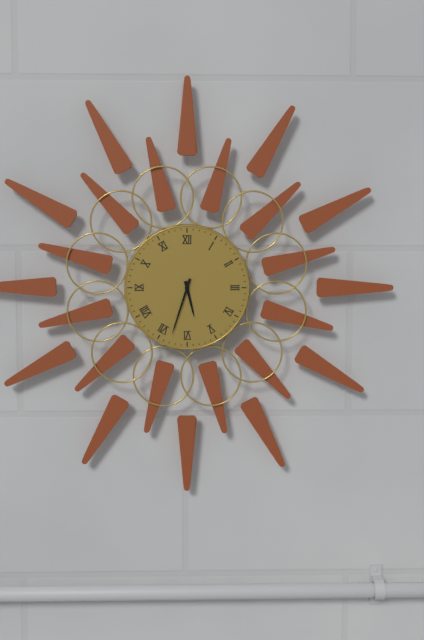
{"hour": 5, "minute": 33}
